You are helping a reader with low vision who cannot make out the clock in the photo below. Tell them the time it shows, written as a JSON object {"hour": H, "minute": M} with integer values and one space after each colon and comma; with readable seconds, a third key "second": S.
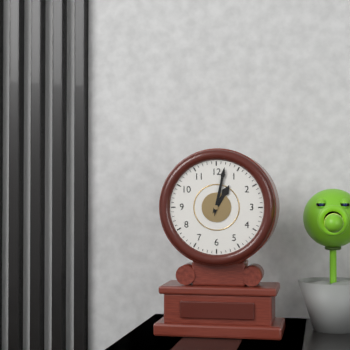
{"hour": 1, "minute": 2}
